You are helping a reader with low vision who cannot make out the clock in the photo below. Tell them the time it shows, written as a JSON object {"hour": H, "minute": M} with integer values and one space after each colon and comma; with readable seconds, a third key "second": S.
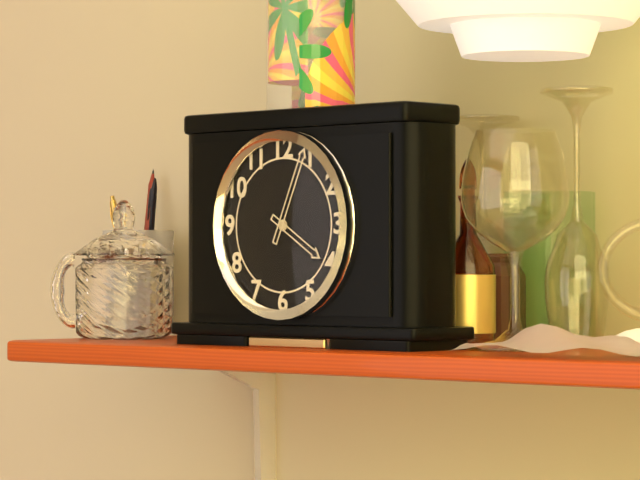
{"hour": 4, "minute": 4}
